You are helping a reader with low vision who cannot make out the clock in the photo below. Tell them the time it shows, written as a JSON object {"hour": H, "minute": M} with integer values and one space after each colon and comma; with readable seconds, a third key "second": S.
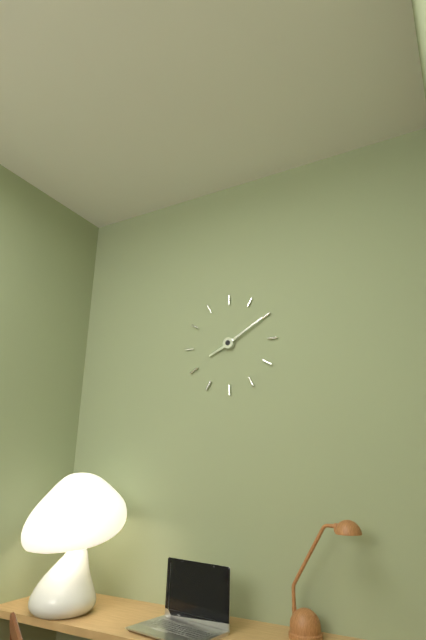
{"hour": 8, "minute": 10}
